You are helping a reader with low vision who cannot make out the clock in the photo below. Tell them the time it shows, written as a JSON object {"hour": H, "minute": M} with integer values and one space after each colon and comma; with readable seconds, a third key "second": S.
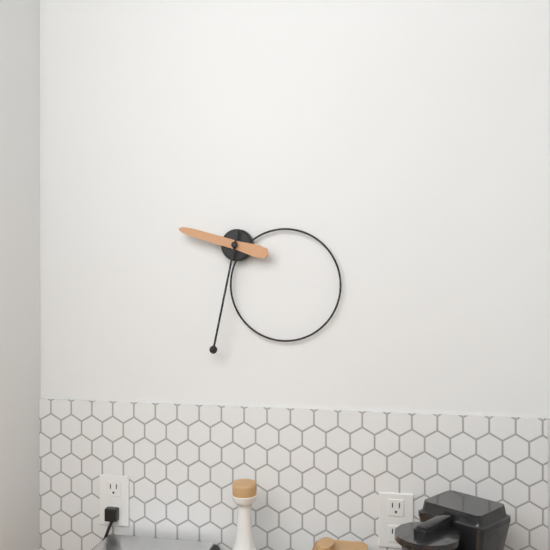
{"hour": 9, "minute": 32}
